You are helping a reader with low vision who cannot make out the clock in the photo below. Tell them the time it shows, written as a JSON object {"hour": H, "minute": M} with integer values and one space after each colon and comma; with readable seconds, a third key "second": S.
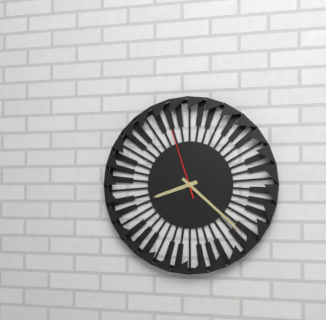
{"hour": 8, "minute": 22, "second": 57}
